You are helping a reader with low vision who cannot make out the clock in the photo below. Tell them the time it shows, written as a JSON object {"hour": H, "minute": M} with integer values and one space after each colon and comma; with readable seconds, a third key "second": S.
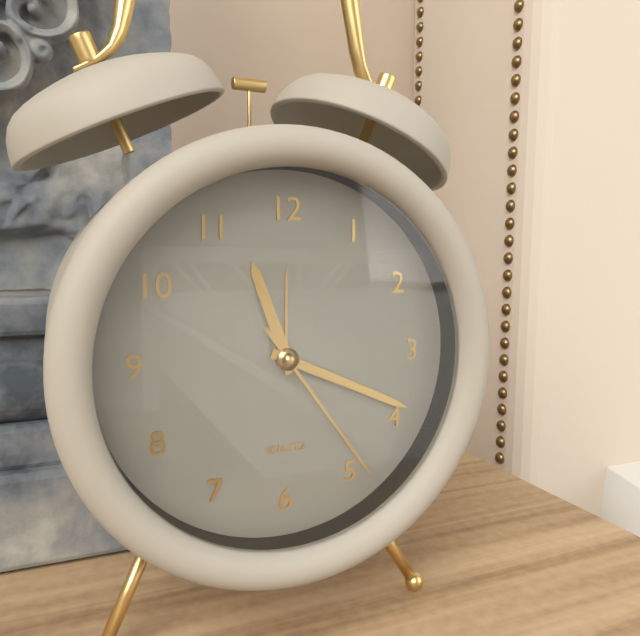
{"hour": 11, "minute": 19, "second": 24}
